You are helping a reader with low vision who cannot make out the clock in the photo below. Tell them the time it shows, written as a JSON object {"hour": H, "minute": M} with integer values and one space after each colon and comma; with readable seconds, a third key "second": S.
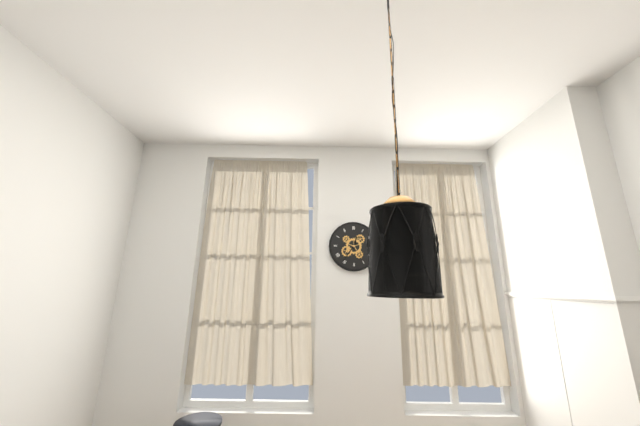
{"hour": 12, "minute": 36}
